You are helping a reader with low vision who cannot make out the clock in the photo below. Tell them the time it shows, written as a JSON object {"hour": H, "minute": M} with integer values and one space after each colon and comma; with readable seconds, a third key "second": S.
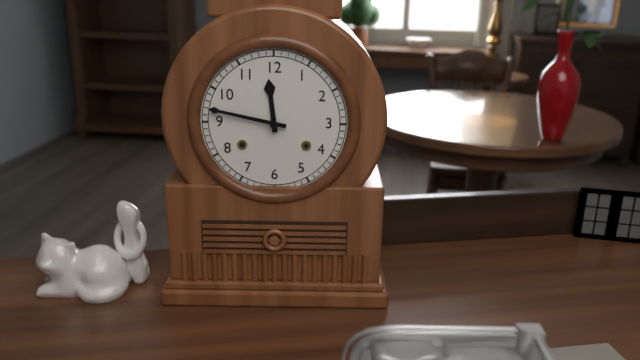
{"hour": 11, "minute": 47}
